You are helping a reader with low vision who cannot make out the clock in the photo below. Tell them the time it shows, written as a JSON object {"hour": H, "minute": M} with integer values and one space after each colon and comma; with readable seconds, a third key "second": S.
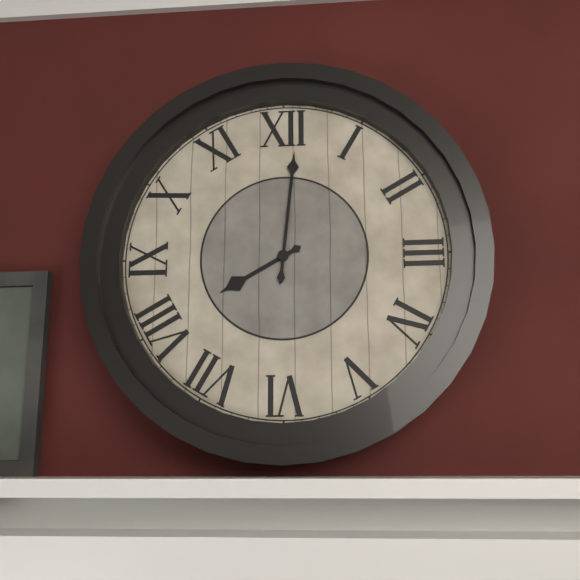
{"hour": 8, "minute": 1}
